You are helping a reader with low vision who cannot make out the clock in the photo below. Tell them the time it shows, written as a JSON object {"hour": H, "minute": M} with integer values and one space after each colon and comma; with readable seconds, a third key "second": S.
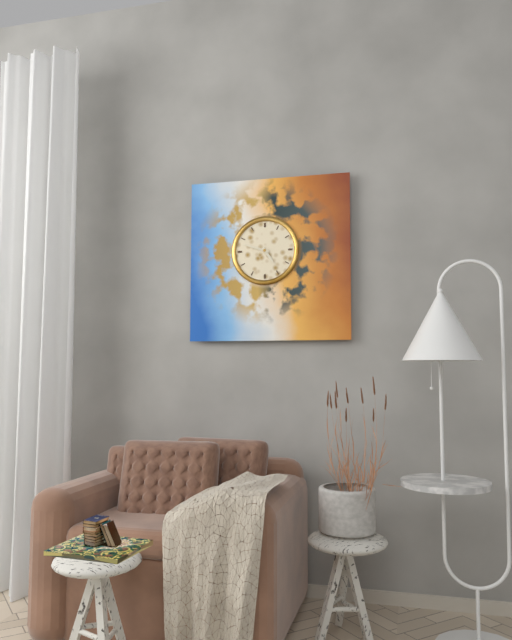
{"hour": 4, "minute": 48}
